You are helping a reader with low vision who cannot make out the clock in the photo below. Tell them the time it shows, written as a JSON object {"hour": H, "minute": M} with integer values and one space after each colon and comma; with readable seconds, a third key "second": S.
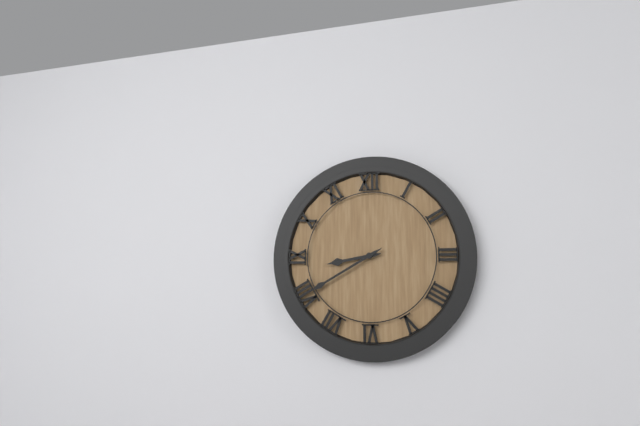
{"hour": 8, "minute": 40}
